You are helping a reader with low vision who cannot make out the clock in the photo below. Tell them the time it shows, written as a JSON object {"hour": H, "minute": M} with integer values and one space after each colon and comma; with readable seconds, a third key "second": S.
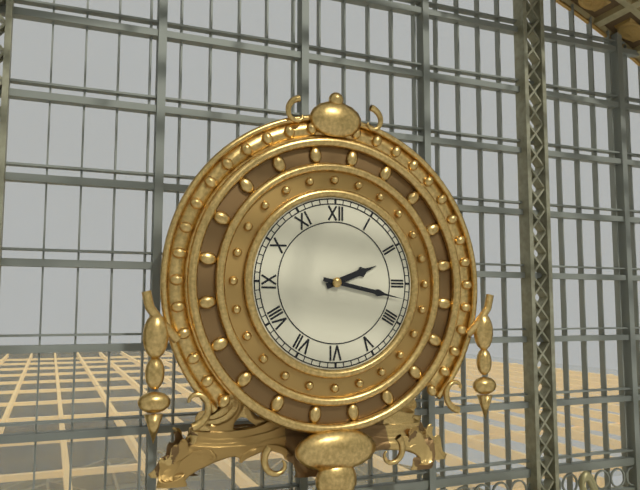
{"hour": 2, "minute": 17}
